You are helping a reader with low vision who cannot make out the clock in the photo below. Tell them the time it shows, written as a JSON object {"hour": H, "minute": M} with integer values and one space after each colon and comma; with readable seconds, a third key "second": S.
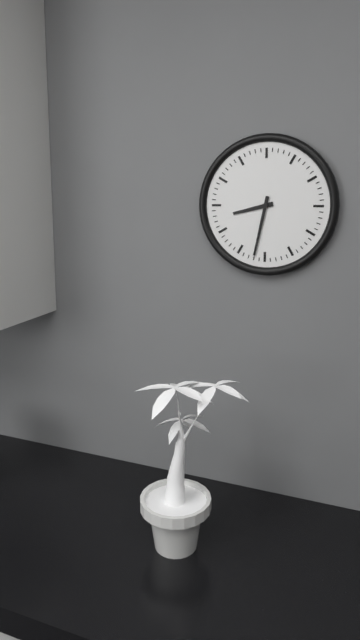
{"hour": 8, "minute": 32}
